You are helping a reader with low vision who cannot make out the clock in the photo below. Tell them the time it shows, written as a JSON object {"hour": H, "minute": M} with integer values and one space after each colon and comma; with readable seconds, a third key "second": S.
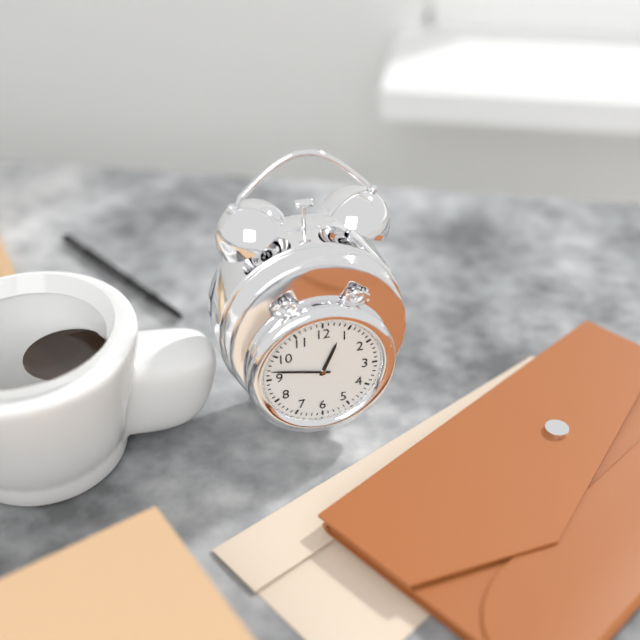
{"hour": 12, "minute": 47}
